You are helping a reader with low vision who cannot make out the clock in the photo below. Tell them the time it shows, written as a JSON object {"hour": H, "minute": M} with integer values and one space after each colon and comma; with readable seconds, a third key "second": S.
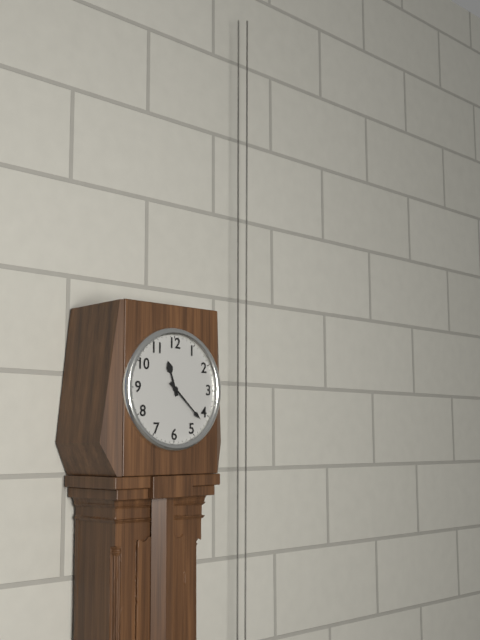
{"hour": 11, "minute": 22}
